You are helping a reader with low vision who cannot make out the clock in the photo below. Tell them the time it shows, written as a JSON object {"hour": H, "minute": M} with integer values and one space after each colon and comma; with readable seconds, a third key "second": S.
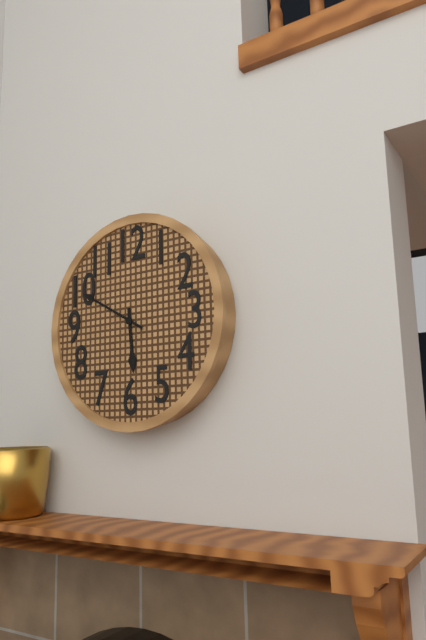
{"hour": 5, "minute": 50}
